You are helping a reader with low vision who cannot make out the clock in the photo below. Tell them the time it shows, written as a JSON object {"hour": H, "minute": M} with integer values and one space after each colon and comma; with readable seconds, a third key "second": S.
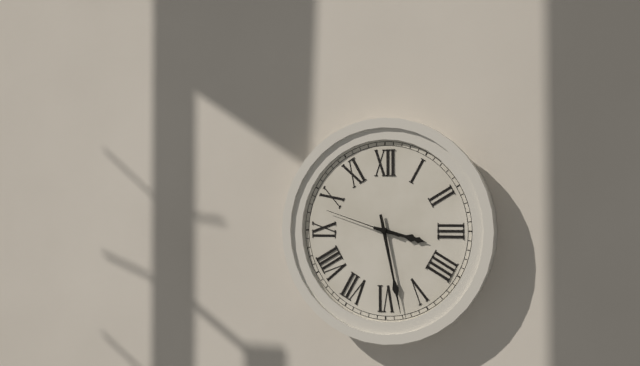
{"hour": 3, "minute": 28, "second": 48}
